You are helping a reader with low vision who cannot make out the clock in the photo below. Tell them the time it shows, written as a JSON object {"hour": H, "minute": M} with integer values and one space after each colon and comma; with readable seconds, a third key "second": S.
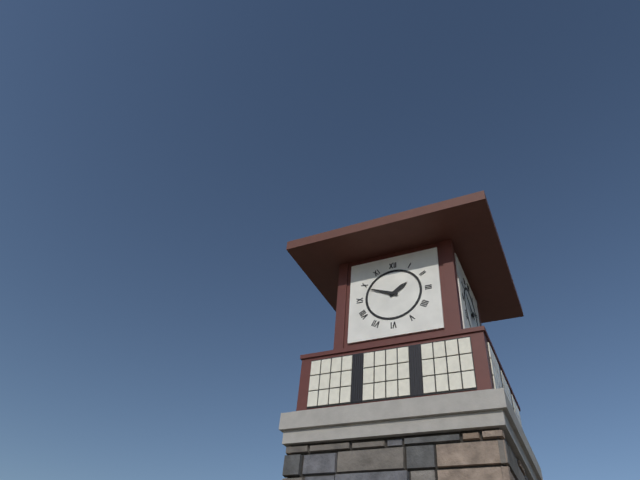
{"hour": 1, "minute": 49}
